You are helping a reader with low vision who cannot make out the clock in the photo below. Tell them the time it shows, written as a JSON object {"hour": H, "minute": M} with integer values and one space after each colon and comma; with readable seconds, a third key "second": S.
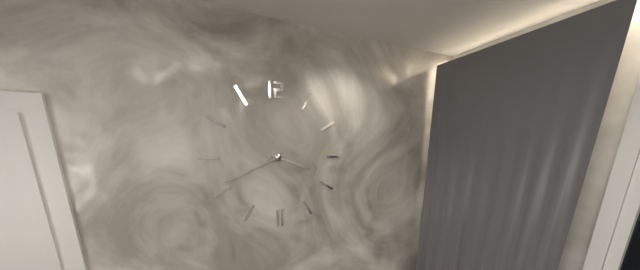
{"hour": 3, "minute": 41}
